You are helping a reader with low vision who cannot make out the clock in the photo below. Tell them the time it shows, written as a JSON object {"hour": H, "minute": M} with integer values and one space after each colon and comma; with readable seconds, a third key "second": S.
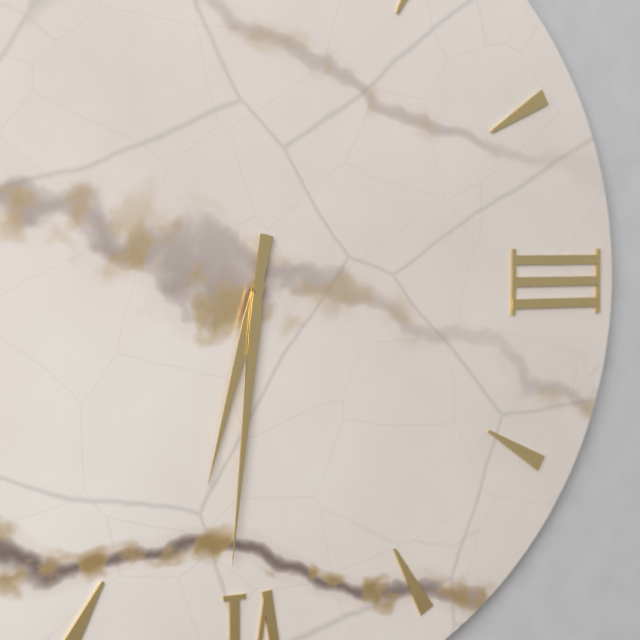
{"hour": 6, "minute": 31}
